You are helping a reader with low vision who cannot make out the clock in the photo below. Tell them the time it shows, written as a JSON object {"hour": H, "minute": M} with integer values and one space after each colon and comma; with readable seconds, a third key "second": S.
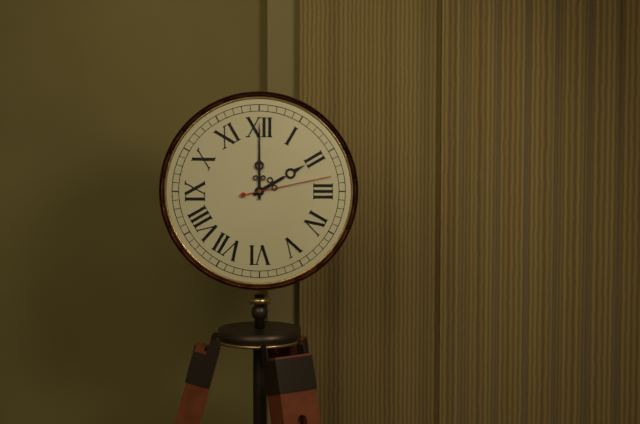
{"hour": 2, "minute": 0, "second": 13}
